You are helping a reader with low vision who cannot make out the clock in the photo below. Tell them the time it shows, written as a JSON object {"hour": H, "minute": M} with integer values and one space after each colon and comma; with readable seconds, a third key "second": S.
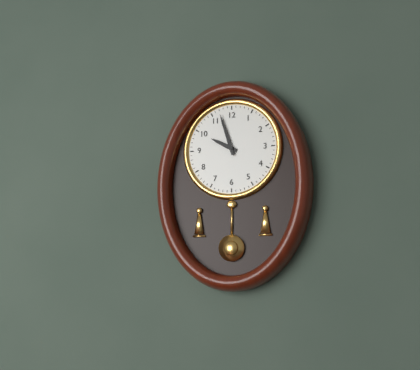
{"hour": 9, "minute": 57}
